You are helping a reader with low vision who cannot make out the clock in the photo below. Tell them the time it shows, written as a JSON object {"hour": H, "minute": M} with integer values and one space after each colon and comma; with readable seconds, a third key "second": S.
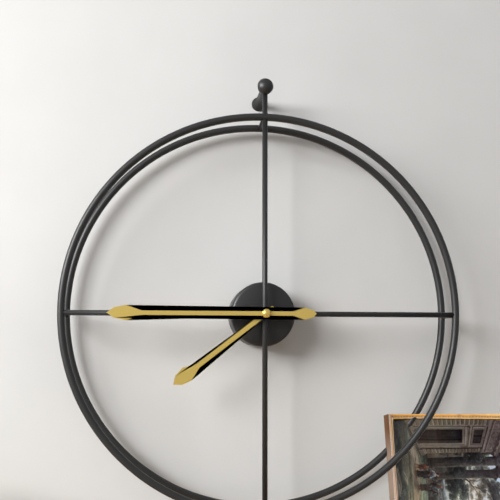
{"hour": 7, "minute": 45}
